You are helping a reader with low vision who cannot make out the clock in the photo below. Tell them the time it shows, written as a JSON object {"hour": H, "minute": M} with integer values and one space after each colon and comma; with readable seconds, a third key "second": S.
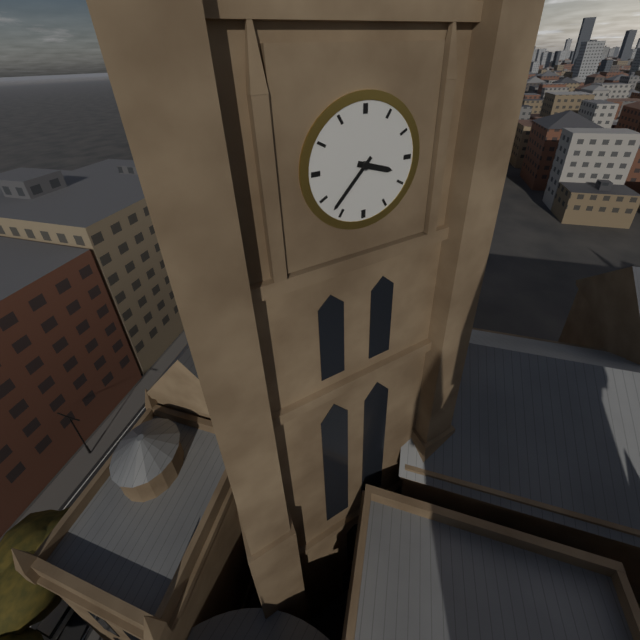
{"hour": 3, "minute": 37}
